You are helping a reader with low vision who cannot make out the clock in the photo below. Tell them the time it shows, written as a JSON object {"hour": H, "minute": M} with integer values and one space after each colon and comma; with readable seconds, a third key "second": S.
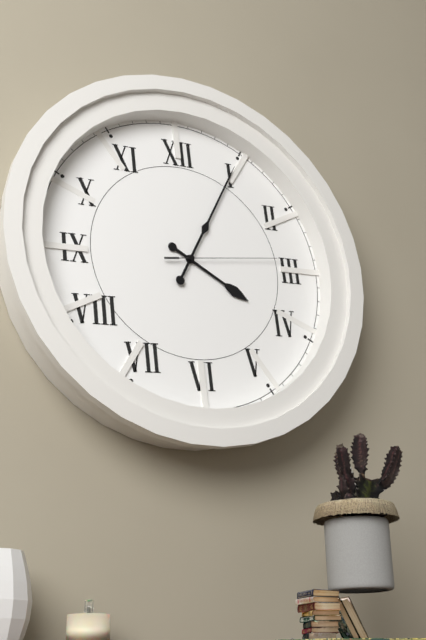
{"hour": 4, "minute": 5, "second": 14}
